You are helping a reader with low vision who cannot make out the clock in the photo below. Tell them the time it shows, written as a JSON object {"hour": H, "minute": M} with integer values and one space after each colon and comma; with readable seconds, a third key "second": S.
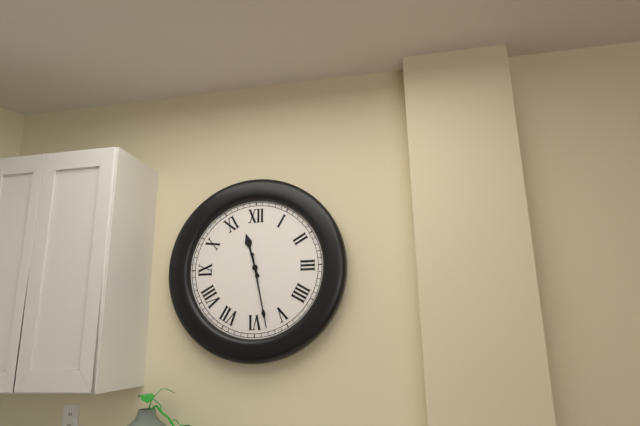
{"hour": 11, "minute": 28}
